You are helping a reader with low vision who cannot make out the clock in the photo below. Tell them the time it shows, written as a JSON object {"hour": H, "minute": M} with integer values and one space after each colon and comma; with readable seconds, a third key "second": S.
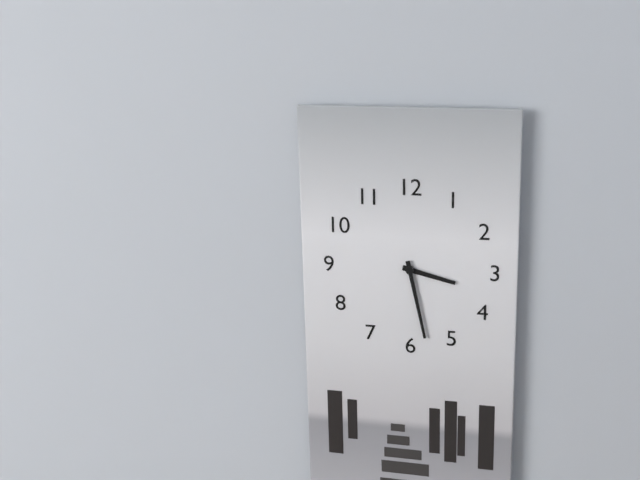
{"hour": 3, "minute": 28}
